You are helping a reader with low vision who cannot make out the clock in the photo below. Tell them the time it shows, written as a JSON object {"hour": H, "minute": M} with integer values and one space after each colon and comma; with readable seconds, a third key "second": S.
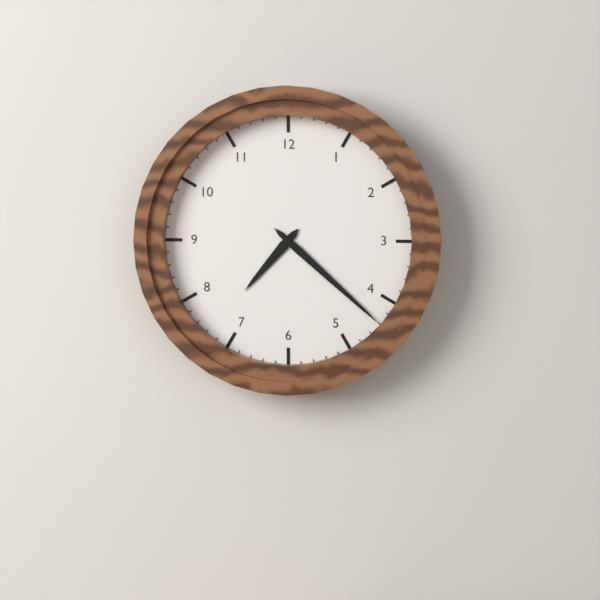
{"hour": 7, "minute": 22}
